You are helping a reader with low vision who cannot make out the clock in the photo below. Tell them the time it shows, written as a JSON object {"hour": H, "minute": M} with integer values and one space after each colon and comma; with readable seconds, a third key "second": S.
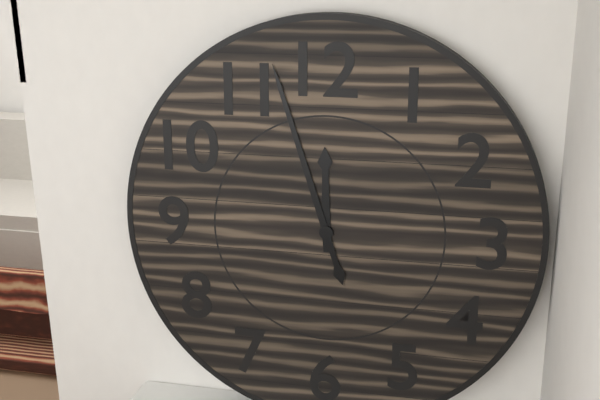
{"hour": 11, "minute": 57}
